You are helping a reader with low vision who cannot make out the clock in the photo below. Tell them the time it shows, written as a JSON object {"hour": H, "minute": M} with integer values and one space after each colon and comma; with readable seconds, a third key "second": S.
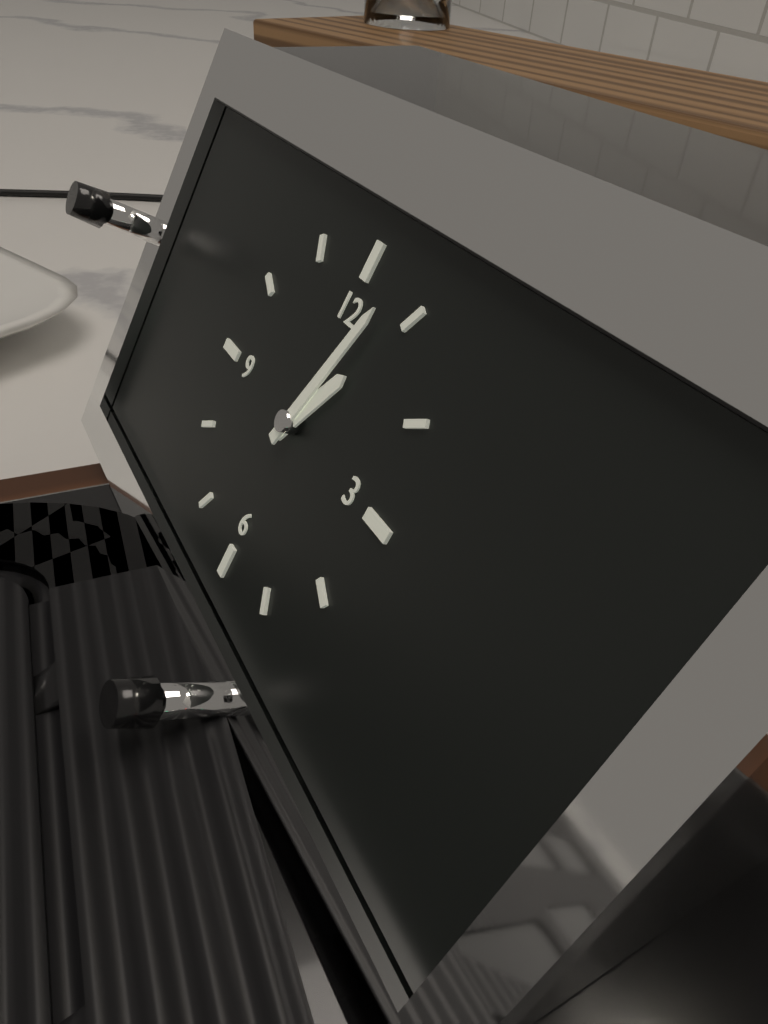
{"hour": 1, "minute": 3}
